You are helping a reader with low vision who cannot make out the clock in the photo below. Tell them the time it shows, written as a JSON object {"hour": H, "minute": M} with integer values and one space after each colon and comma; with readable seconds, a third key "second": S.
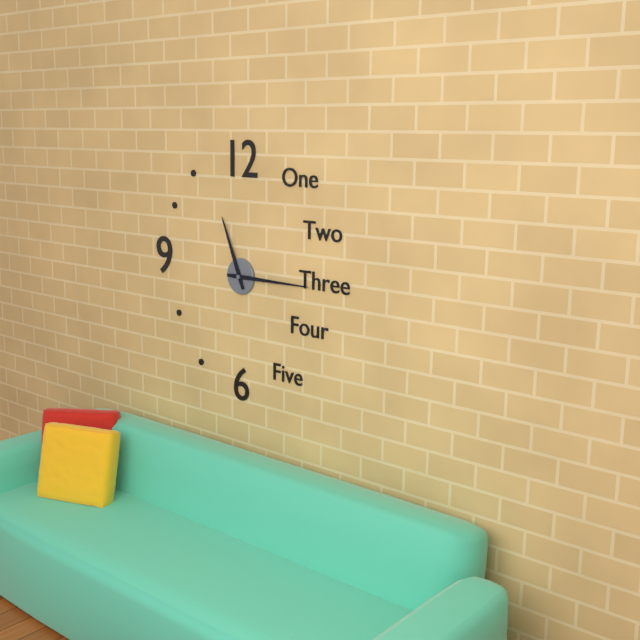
{"hour": 11, "minute": 15}
